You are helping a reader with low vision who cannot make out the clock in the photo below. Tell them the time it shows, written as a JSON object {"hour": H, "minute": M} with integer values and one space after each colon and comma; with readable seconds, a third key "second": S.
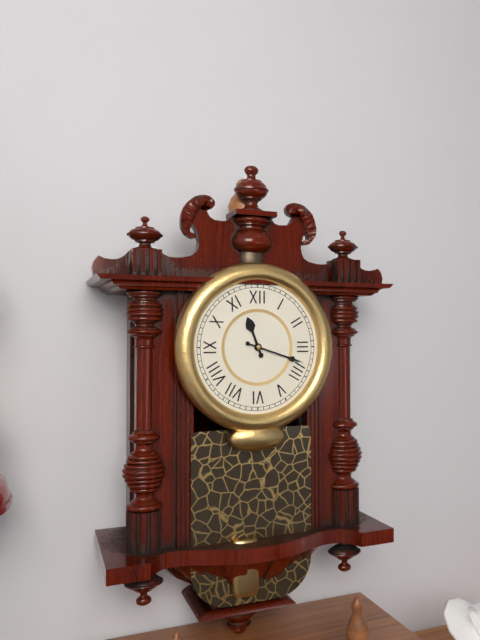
{"hour": 11, "minute": 18}
